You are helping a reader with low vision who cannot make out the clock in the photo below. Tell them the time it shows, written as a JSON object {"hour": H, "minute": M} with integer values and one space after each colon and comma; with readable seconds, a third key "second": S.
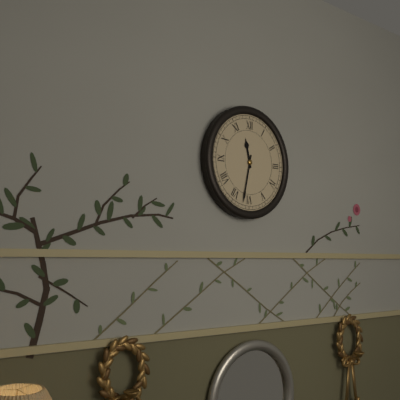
{"hour": 11, "minute": 32}
